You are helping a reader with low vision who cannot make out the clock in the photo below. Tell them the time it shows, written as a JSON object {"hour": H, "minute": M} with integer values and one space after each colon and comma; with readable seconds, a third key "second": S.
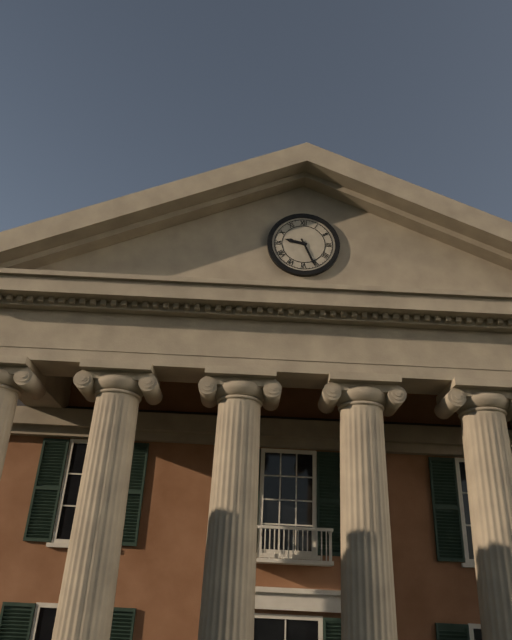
{"hour": 9, "minute": 26}
